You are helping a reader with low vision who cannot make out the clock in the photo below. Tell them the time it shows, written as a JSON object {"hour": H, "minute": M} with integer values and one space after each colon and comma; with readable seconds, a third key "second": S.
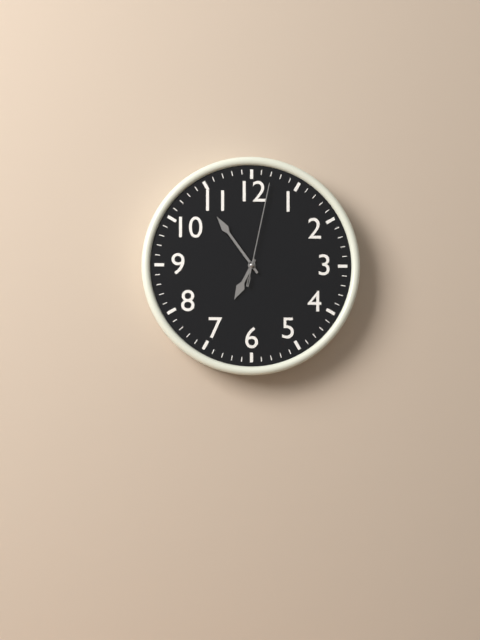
{"hour": 6, "minute": 54, "second": 2}
